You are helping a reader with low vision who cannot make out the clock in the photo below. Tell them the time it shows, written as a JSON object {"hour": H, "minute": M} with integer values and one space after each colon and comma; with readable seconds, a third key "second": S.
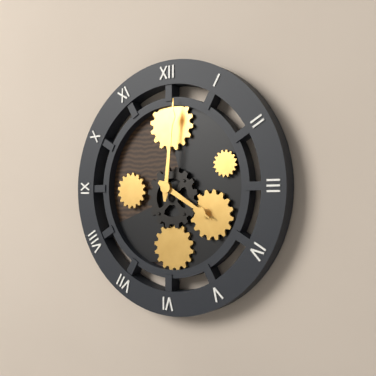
{"hour": 4, "minute": 1}
